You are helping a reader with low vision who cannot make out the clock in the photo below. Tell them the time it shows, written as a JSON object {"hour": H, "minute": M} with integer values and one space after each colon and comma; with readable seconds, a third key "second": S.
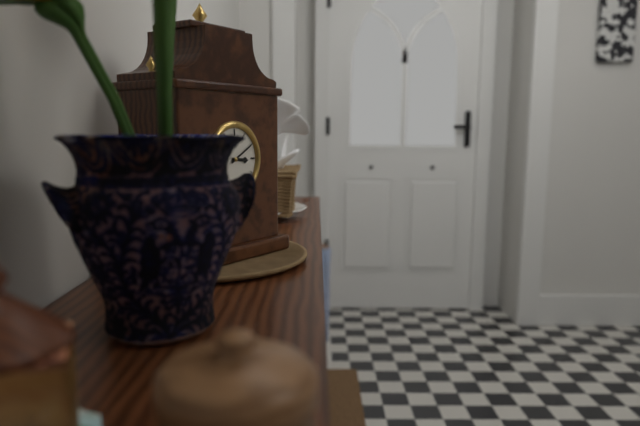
{"hour": 3, "minute": 10}
